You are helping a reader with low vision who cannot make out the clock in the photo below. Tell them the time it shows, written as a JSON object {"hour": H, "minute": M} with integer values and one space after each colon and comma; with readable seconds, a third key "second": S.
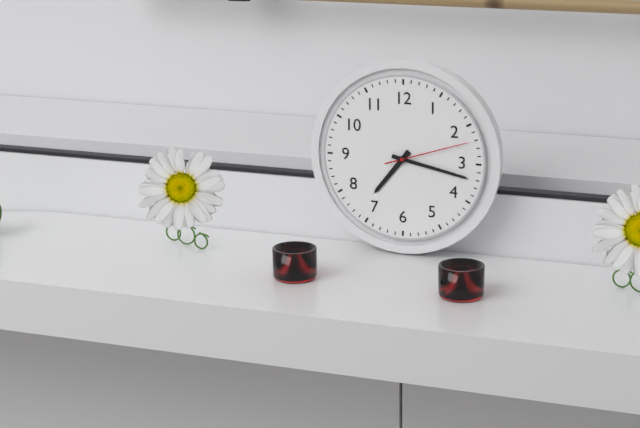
{"hour": 7, "minute": 17, "second": 12}
